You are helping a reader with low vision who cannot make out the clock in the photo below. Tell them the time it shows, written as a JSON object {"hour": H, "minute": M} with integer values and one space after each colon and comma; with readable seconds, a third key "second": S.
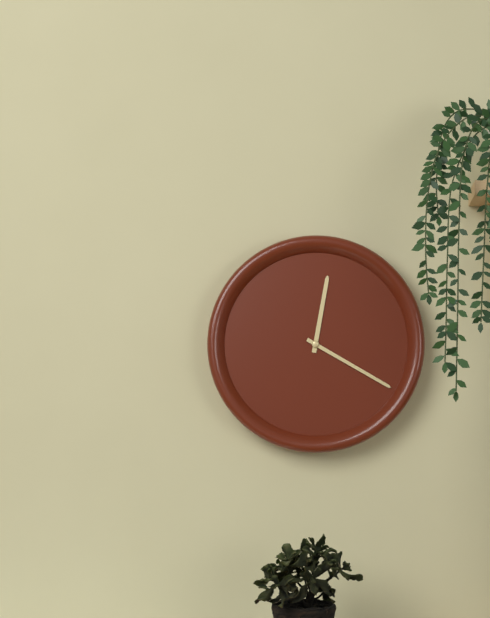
{"hour": 12, "minute": 20}
